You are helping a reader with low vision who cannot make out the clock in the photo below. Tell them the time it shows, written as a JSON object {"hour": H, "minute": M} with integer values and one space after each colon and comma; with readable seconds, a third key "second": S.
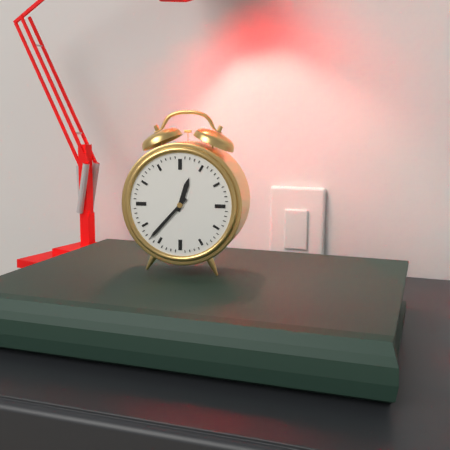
{"hour": 12, "minute": 37}
